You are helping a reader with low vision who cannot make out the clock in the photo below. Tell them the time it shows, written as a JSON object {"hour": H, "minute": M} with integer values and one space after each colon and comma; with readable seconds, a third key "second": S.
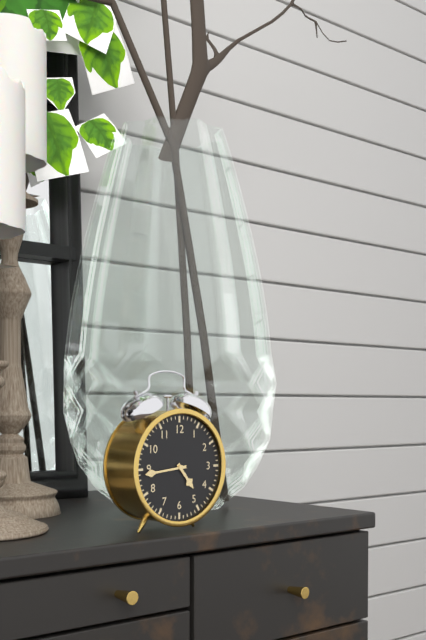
{"hour": 4, "minute": 44}
